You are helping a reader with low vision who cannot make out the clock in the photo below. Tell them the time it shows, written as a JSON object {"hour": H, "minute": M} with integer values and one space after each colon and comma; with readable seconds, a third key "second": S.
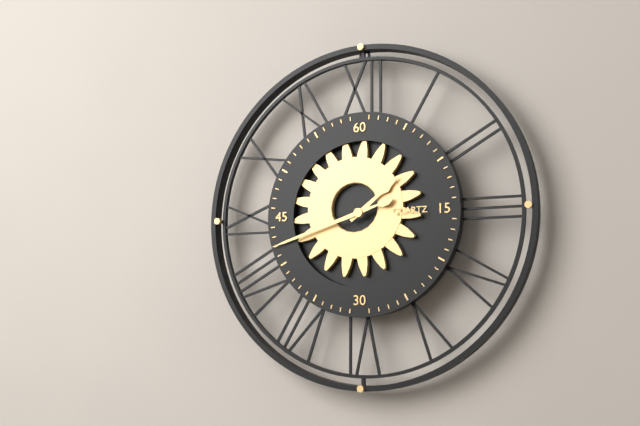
{"hour": 1, "minute": 42}
